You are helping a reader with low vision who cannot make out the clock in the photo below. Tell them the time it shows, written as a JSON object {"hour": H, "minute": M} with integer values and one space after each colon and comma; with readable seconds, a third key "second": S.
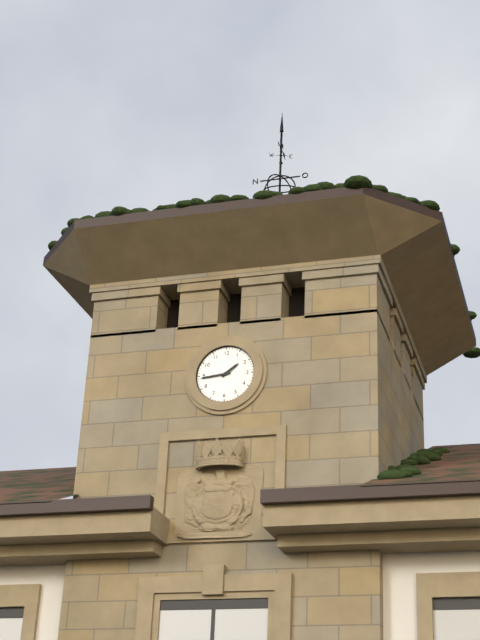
{"hour": 1, "minute": 44}
